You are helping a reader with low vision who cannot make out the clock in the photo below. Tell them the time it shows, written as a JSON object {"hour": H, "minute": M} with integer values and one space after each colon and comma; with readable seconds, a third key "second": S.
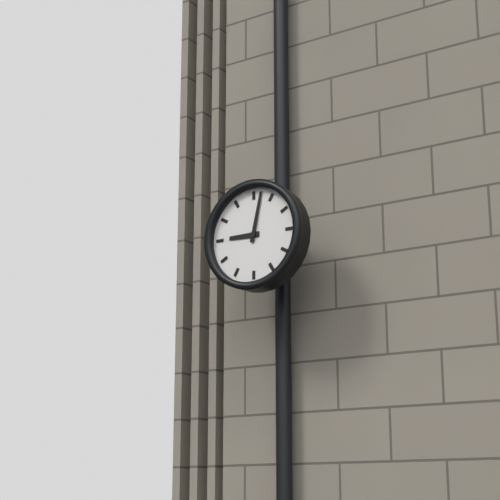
{"hour": 9, "minute": 2}
